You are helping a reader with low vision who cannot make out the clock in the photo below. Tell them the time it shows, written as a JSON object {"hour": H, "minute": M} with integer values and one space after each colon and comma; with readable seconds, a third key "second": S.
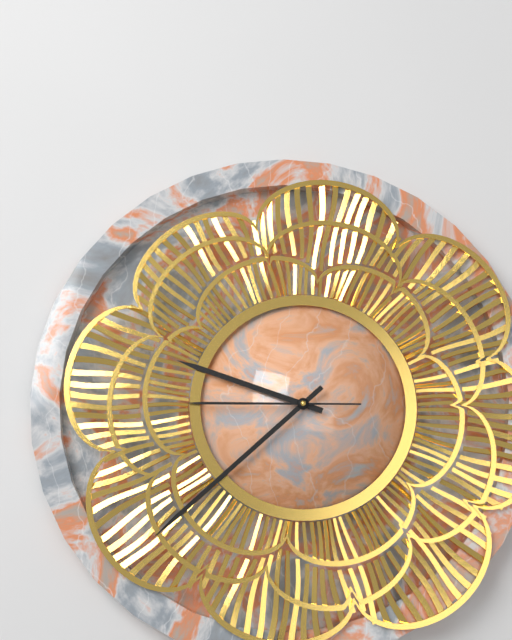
{"hour": 9, "minute": 38, "second": 45}
